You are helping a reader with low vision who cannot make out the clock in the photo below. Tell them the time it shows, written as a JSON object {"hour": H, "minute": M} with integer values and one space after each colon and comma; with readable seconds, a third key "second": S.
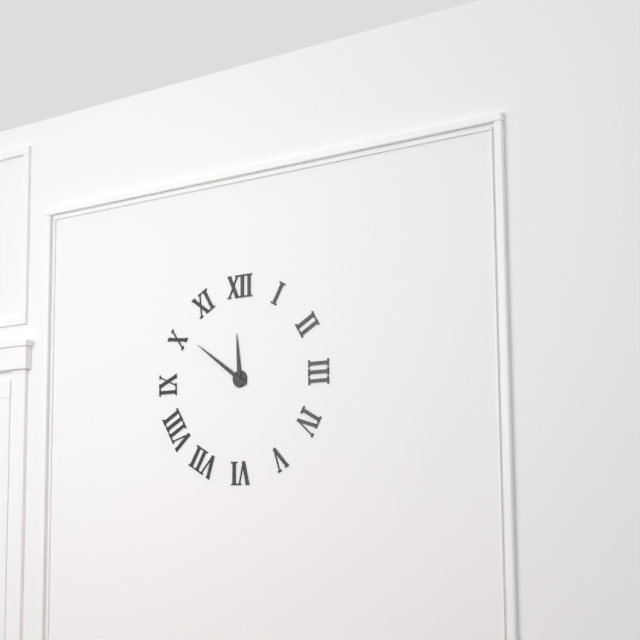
{"hour": 11, "minute": 51}
